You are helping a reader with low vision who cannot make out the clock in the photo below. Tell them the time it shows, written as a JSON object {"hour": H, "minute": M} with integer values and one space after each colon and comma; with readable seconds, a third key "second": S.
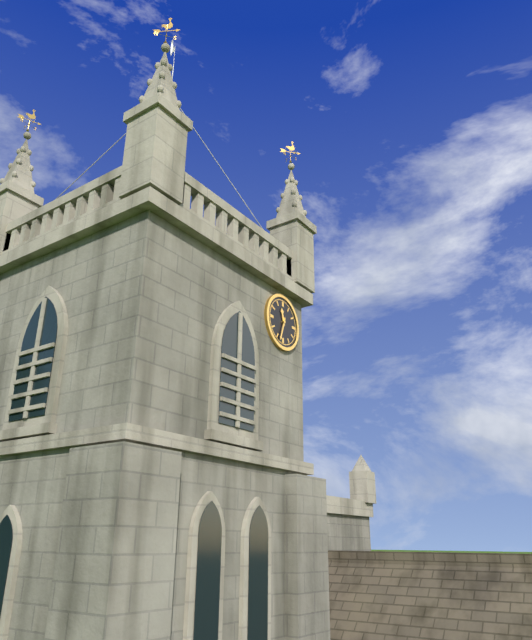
{"hour": 11, "minute": 33}
